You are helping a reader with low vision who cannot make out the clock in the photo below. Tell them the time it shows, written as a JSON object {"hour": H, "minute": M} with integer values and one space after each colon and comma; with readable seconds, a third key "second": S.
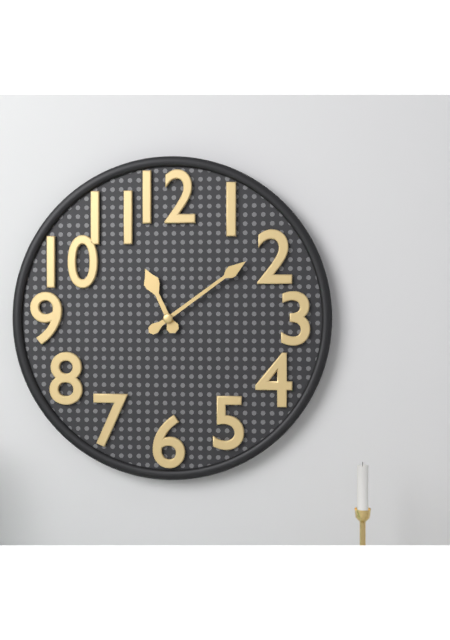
{"hour": 11, "minute": 9}
